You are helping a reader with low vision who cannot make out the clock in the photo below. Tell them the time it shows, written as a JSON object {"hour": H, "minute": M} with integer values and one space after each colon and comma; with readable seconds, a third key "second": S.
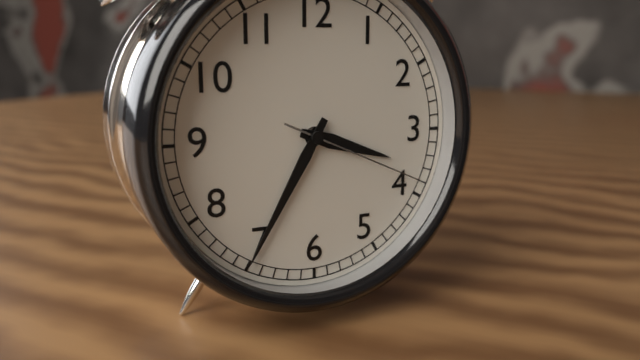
{"hour": 3, "minute": 35, "second": 19}
